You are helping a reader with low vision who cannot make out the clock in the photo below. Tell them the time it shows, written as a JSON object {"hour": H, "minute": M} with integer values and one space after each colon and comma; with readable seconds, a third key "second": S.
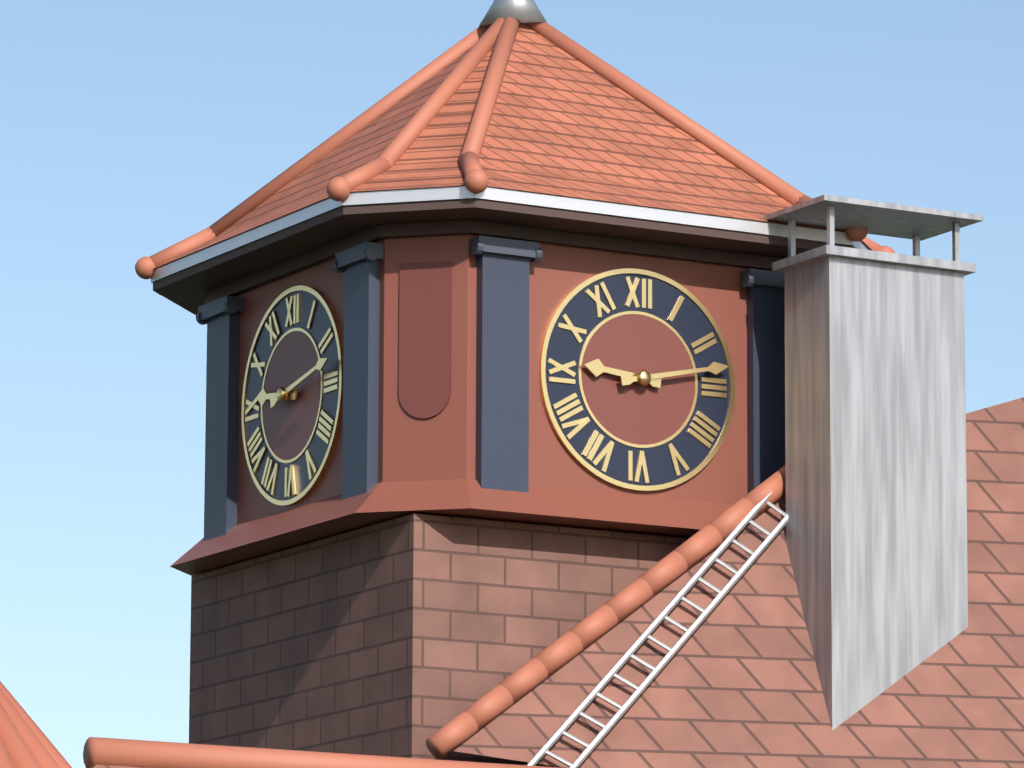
{"hour": 9, "minute": 13}
